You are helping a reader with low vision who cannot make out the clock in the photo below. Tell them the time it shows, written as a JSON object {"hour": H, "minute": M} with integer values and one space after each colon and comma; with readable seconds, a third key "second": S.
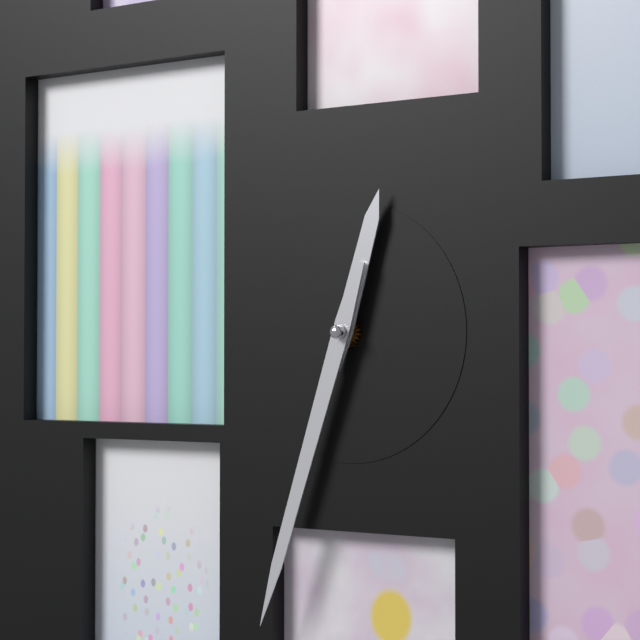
{"hour": 12, "minute": 33}
